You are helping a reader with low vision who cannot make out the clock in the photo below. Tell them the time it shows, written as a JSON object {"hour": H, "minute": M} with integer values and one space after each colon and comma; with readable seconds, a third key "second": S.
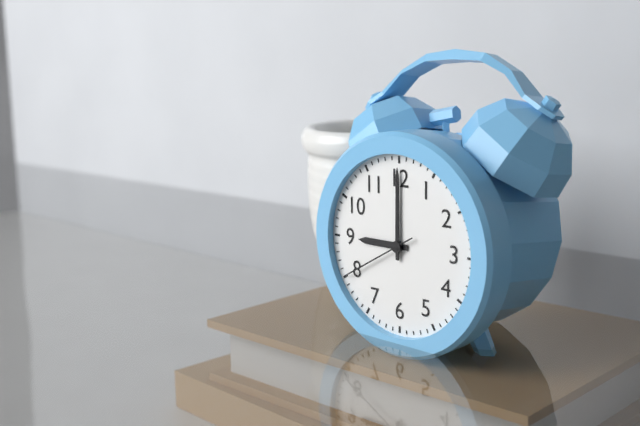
{"hour": 9, "minute": 0, "second": 40}
